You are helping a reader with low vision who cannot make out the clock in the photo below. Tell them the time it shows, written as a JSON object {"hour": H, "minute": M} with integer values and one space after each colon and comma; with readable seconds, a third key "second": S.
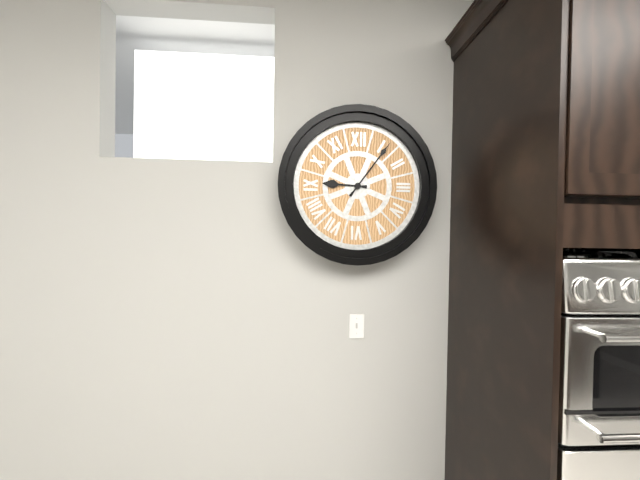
{"hour": 9, "minute": 6}
